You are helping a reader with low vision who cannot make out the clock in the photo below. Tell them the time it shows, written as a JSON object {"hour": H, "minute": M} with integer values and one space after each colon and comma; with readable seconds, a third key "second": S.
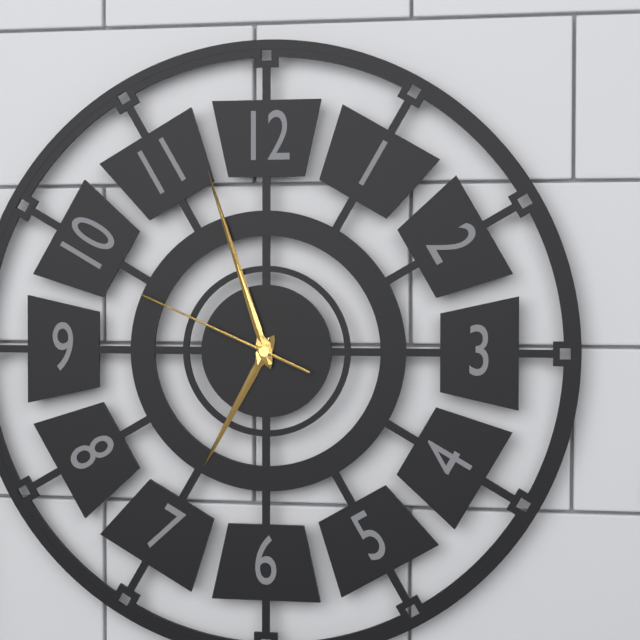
{"hour": 6, "minute": 57, "second": 49}
